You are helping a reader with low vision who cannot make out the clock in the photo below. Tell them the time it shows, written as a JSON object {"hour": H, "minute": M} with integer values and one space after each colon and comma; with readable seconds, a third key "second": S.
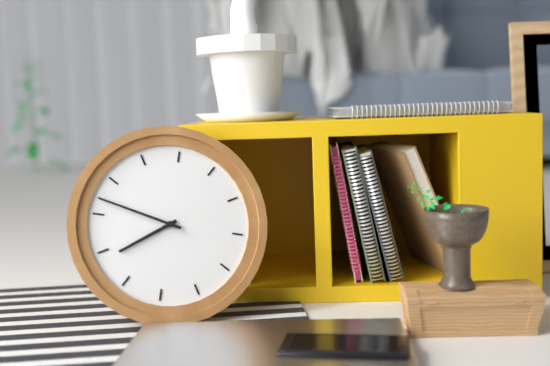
{"hour": 7, "minute": 47}
